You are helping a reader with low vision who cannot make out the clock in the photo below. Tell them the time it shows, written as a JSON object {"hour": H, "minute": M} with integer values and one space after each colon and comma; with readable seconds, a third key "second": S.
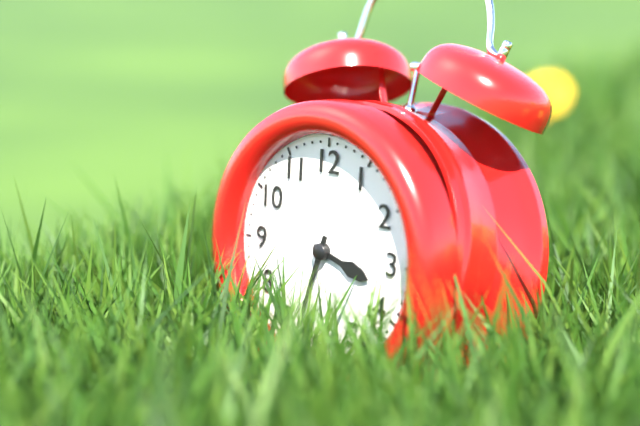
{"hour": 3, "minute": 33}
